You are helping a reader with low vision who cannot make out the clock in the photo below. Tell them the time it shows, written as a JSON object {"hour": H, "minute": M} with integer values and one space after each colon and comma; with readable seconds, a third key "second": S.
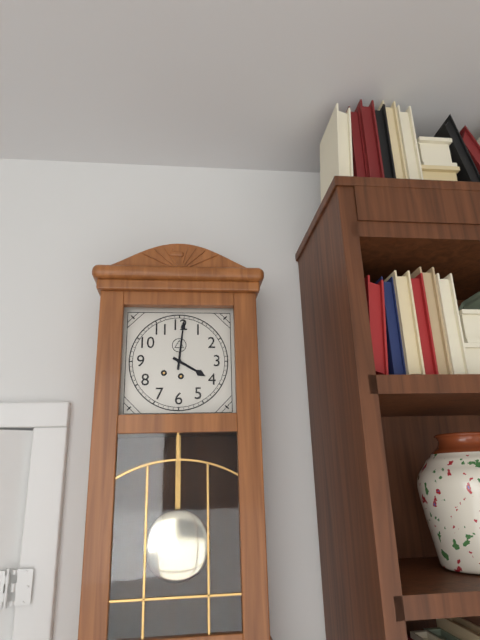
{"hour": 4, "minute": 1}
